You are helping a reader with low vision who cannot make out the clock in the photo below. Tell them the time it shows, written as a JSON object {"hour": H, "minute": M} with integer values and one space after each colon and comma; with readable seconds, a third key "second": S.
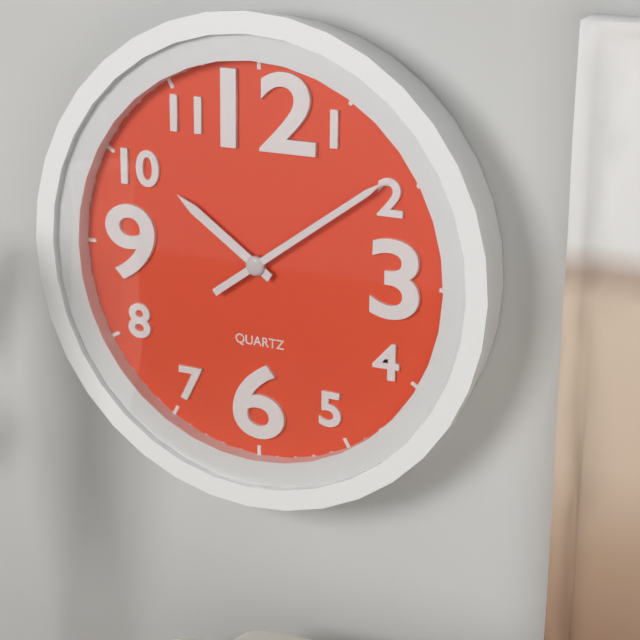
{"hour": 10, "minute": 9}
